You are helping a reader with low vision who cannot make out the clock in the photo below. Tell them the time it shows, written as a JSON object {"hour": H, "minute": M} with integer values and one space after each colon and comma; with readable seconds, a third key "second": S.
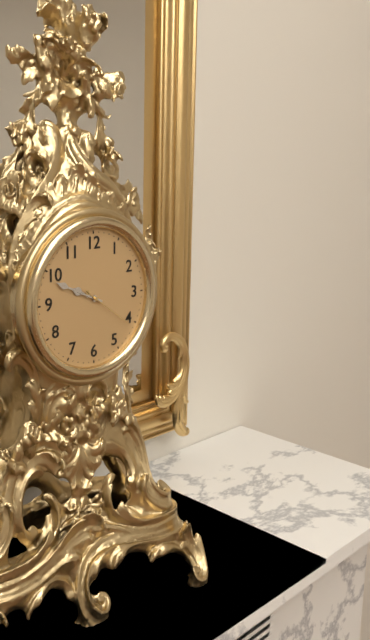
{"hour": 9, "minute": 49, "second": 21}
